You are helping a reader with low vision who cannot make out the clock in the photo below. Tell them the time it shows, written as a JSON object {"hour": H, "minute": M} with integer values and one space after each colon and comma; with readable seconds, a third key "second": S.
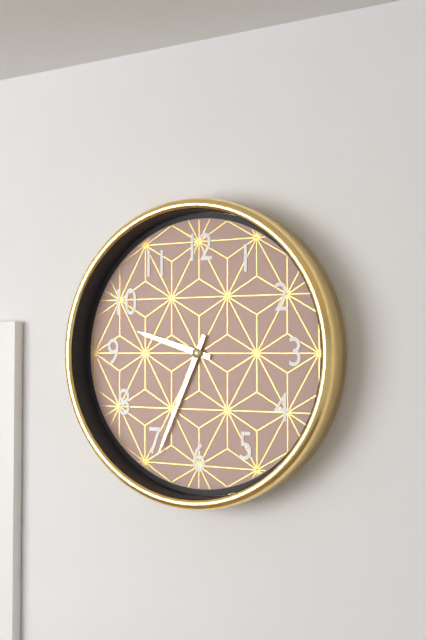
{"hour": 9, "minute": 34}
